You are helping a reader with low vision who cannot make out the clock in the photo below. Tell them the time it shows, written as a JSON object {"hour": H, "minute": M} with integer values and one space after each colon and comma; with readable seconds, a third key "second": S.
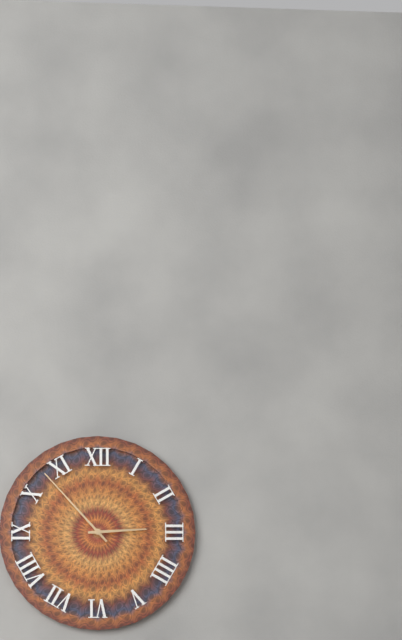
{"hour": 2, "minute": 53}
